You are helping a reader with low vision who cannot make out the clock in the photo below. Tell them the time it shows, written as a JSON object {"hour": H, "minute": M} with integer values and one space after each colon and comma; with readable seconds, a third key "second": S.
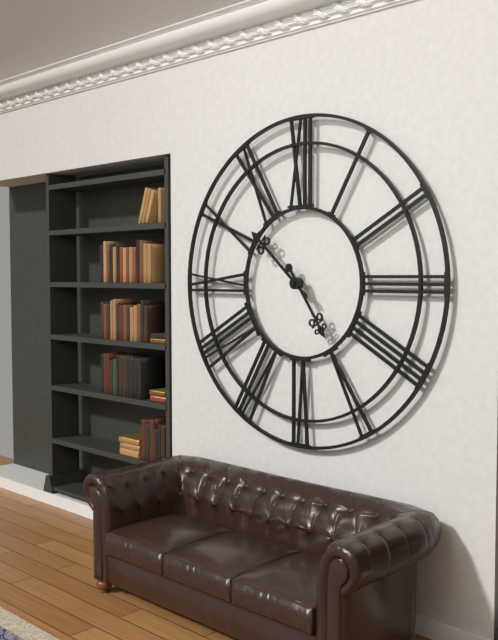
{"hour": 4, "minute": 52}
